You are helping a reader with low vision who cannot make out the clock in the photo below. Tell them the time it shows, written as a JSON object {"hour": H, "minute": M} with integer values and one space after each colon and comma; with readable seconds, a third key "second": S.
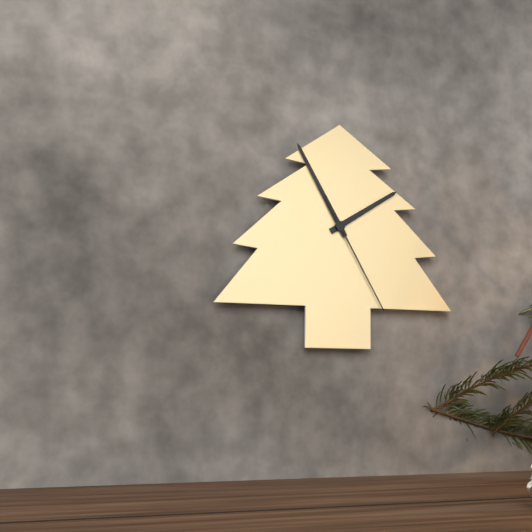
{"hour": 1, "minute": 55, "second": 25}
